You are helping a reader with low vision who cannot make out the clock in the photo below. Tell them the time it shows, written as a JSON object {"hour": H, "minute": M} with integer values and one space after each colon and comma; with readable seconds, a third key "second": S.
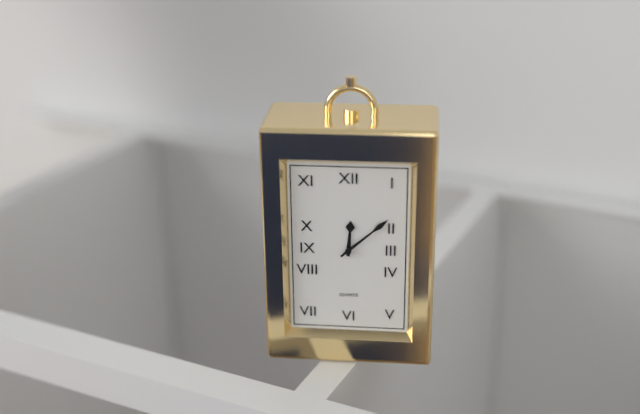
{"hour": 12, "minute": 8}
